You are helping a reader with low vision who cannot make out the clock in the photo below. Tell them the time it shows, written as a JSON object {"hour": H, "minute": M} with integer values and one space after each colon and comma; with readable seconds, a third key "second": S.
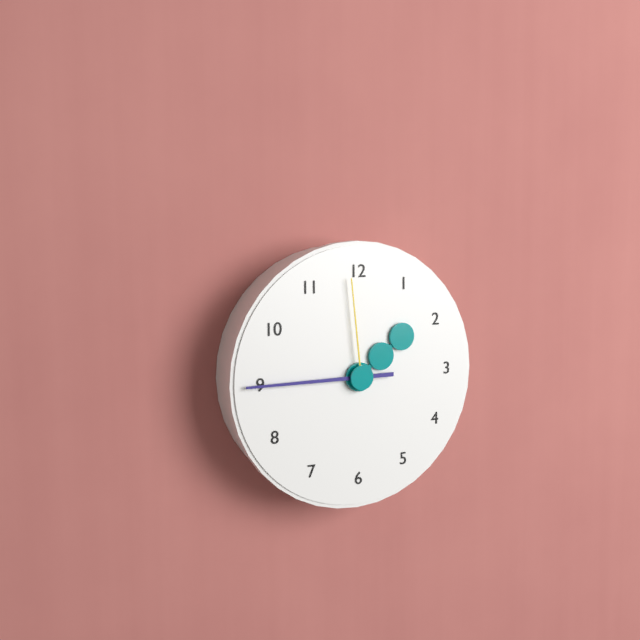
{"hour": 1, "minute": 45, "second": 59}
